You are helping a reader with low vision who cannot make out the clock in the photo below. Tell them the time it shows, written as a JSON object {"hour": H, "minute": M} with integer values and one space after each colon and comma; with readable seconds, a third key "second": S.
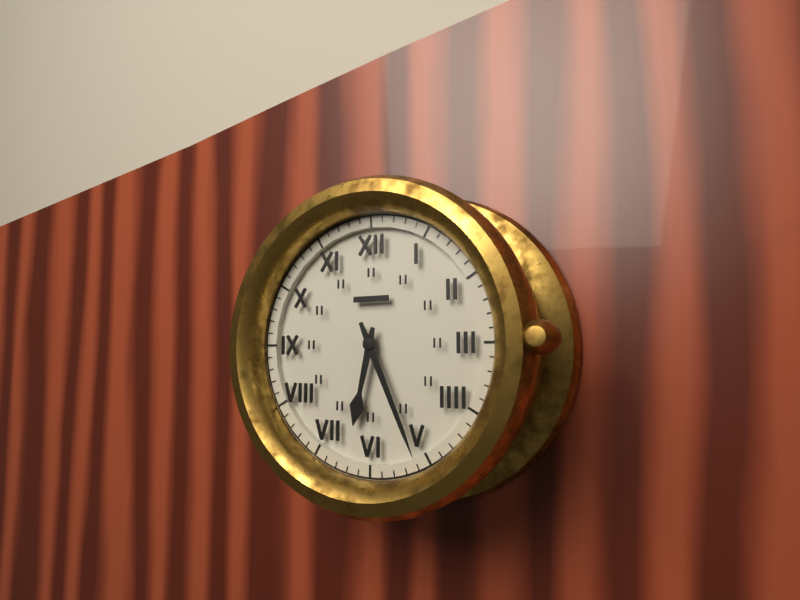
{"hour": 6, "minute": 26}
